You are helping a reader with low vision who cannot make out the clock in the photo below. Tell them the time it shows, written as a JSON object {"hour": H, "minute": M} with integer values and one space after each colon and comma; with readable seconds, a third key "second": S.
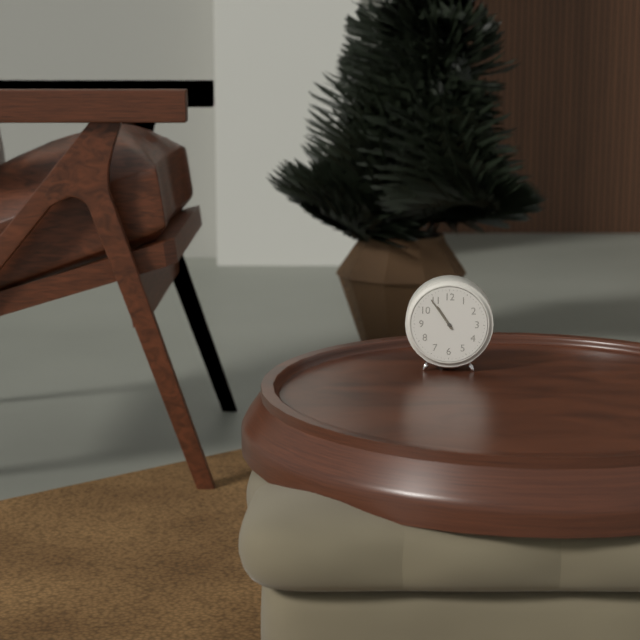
{"hour": 10, "minute": 54}
